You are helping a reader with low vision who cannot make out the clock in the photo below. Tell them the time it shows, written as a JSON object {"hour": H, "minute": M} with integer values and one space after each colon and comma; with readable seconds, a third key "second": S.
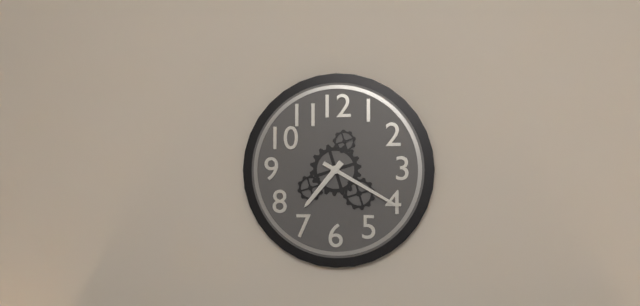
{"hour": 7, "minute": 20}
